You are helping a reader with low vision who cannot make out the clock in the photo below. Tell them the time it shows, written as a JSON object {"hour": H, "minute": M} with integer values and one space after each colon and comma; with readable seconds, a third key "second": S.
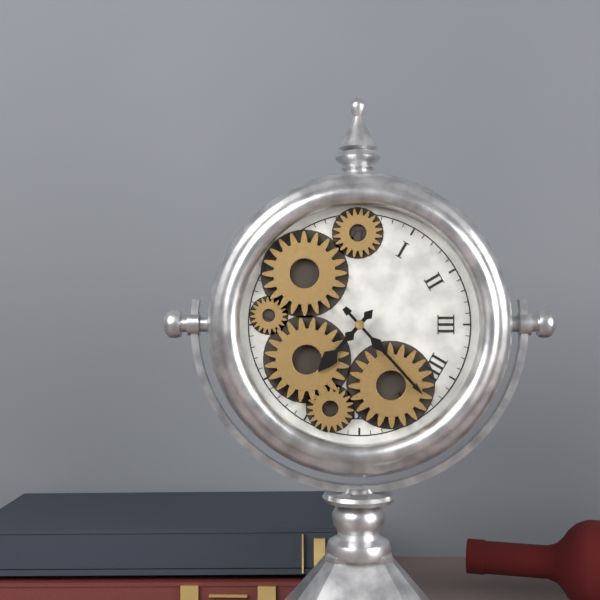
{"hour": 7, "minute": 23}
